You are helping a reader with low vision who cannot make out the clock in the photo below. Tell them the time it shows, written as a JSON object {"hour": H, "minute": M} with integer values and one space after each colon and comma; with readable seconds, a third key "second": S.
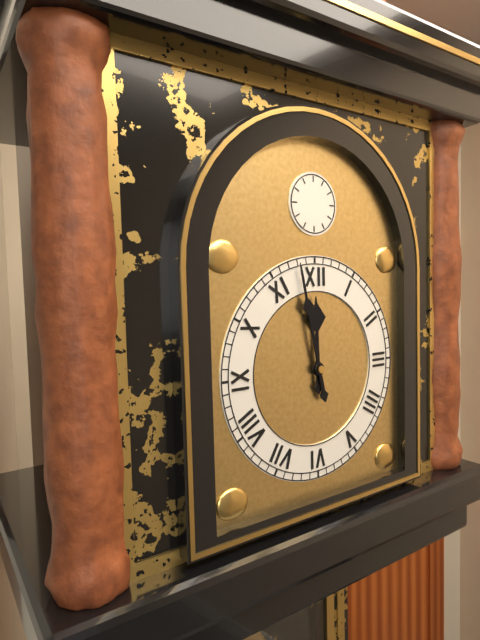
{"hour": 11, "minute": 58}
